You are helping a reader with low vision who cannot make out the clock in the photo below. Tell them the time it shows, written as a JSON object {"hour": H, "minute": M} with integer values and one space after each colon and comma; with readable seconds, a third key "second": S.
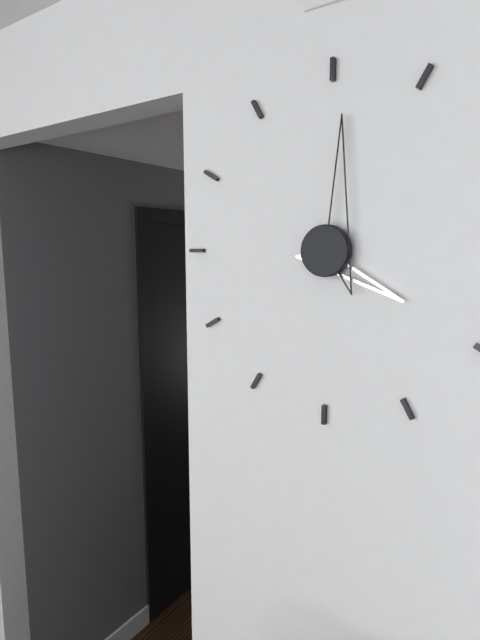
{"hour": 4, "minute": 1}
